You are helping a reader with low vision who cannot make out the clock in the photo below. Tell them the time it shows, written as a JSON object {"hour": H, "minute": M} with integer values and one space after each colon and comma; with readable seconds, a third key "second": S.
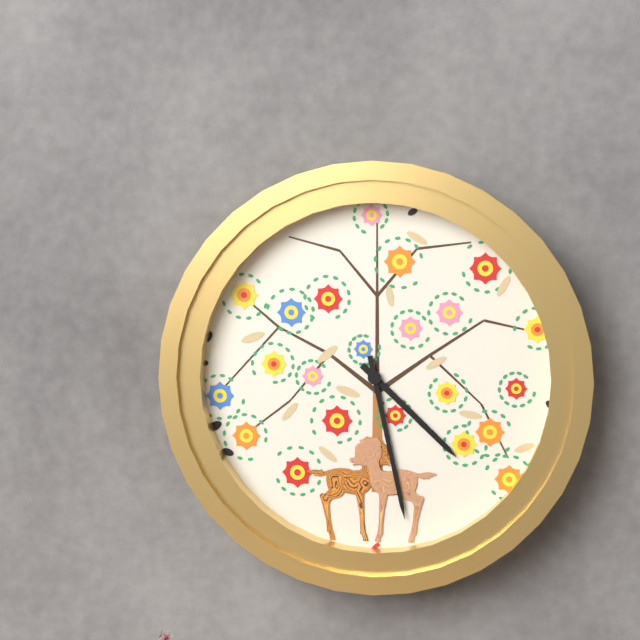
{"hour": 4, "minute": 28}
